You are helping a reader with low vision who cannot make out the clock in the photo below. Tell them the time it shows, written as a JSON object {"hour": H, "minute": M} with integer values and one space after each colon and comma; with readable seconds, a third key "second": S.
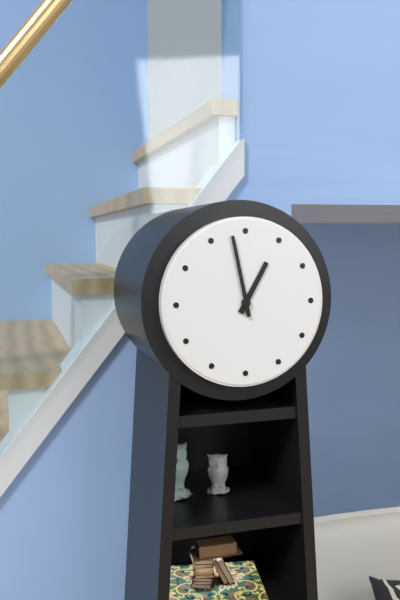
{"hour": 12, "minute": 58}
